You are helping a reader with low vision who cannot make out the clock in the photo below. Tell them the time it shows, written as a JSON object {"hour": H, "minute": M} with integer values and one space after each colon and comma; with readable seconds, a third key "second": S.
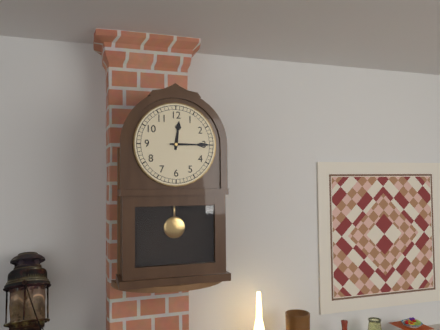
{"hour": 12, "minute": 15}
